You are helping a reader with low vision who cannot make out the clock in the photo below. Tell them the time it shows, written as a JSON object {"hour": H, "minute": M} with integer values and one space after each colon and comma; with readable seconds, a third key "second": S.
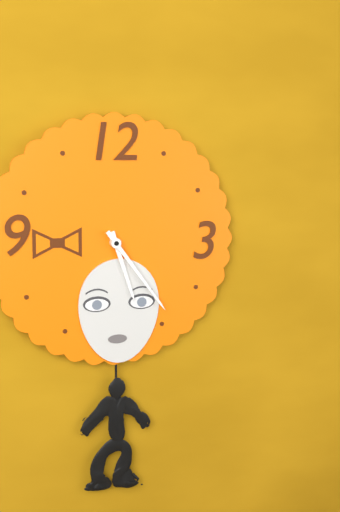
{"hour": 5, "minute": 24}
